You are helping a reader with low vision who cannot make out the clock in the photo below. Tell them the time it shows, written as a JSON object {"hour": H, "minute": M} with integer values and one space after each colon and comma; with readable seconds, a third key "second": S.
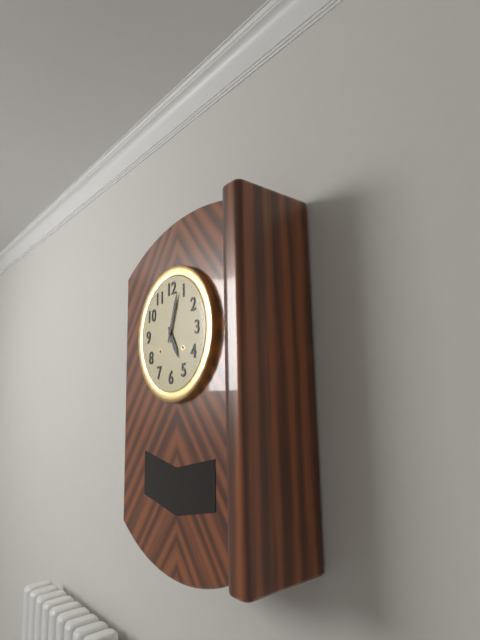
{"hour": 5, "minute": 3}
